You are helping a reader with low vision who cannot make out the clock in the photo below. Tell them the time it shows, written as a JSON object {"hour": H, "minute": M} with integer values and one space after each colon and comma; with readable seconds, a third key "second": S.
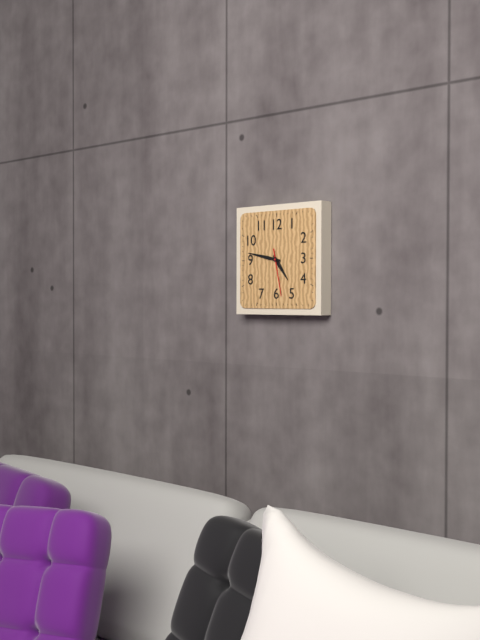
{"hour": 4, "minute": 47}
